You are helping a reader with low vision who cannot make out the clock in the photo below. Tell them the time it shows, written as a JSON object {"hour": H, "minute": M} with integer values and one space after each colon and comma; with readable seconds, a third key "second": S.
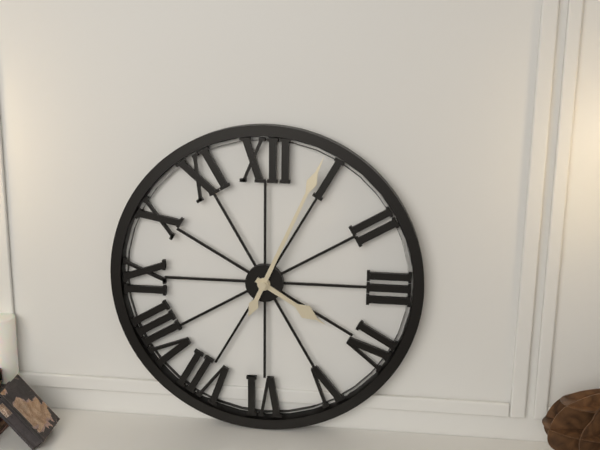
{"hour": 4, "minute": 4}
